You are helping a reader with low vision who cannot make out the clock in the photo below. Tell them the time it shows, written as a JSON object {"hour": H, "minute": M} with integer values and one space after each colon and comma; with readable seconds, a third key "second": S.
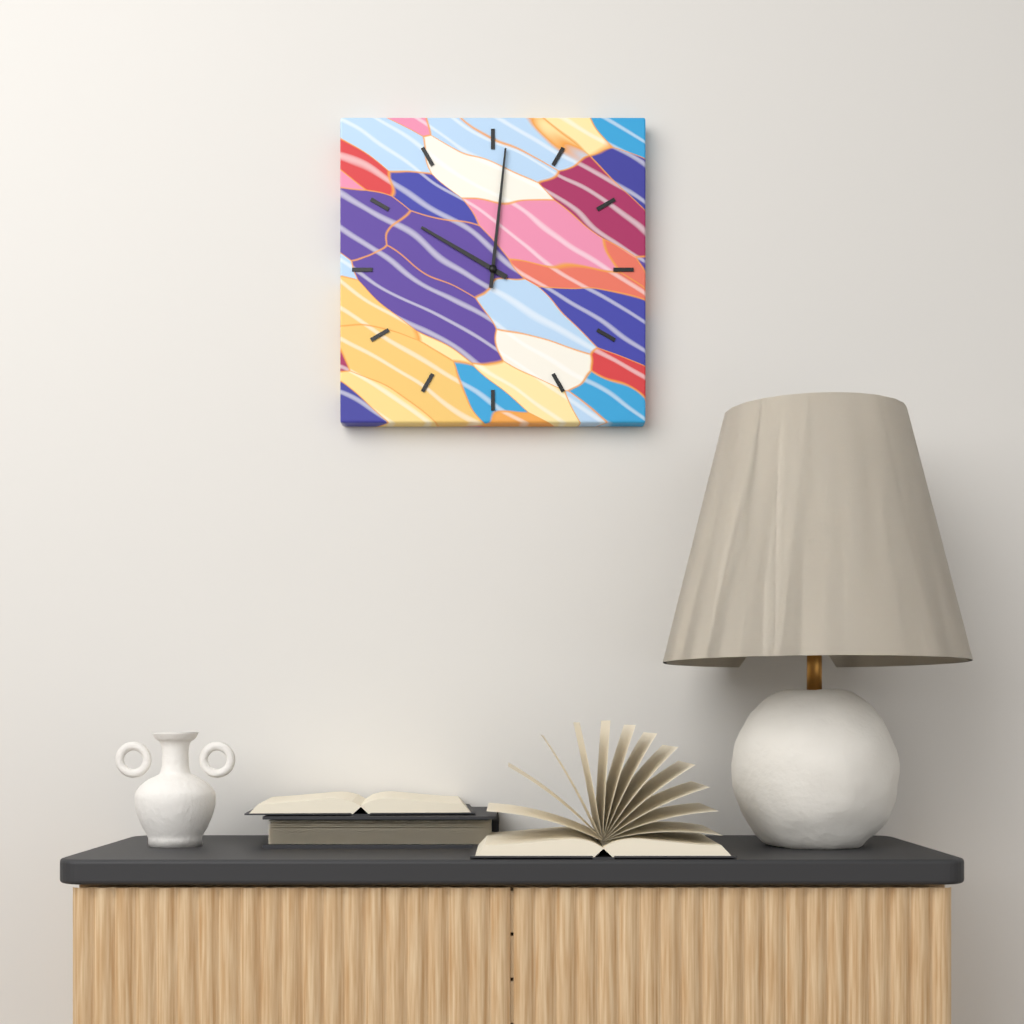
{"hour": 10, "minute": 1}
